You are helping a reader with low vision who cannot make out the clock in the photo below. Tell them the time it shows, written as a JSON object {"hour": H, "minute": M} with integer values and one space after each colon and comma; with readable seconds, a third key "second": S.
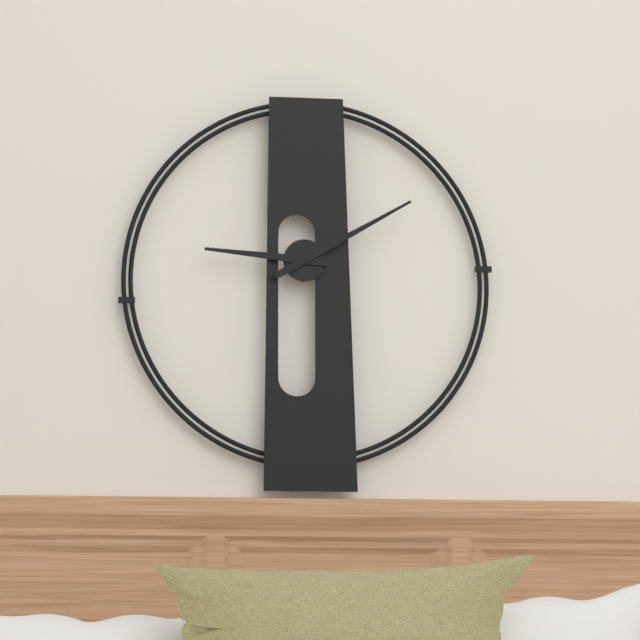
{"hour": 9, "minute": 10}
